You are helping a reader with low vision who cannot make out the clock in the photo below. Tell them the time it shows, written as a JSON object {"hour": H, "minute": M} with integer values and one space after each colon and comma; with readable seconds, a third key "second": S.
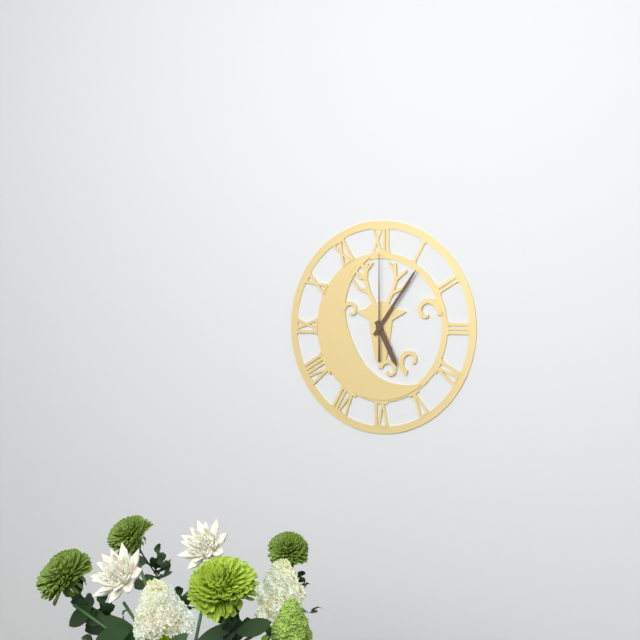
{"hour": 5, "minute": 6, "second": 0}
